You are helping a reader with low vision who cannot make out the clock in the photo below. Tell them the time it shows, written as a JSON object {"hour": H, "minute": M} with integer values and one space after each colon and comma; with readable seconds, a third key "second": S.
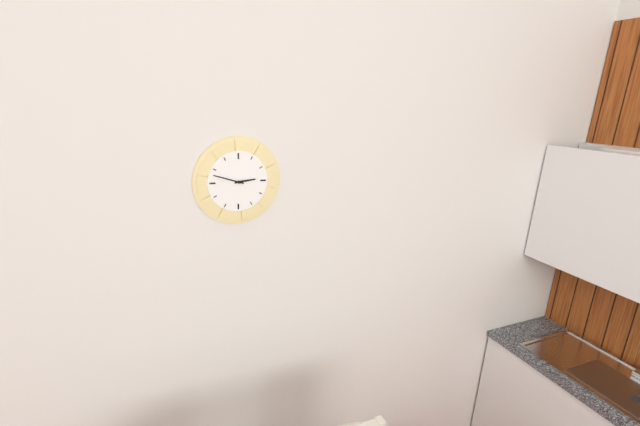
{"hour": 2, "minute": 48}
